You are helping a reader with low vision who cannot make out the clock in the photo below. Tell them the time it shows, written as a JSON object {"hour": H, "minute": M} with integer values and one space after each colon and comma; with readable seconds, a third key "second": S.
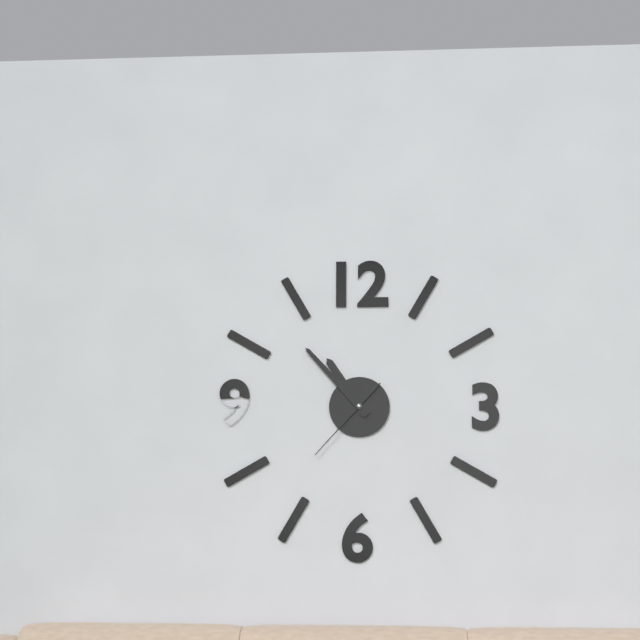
{"hour": 10, "minute": 53, "second": 37}
